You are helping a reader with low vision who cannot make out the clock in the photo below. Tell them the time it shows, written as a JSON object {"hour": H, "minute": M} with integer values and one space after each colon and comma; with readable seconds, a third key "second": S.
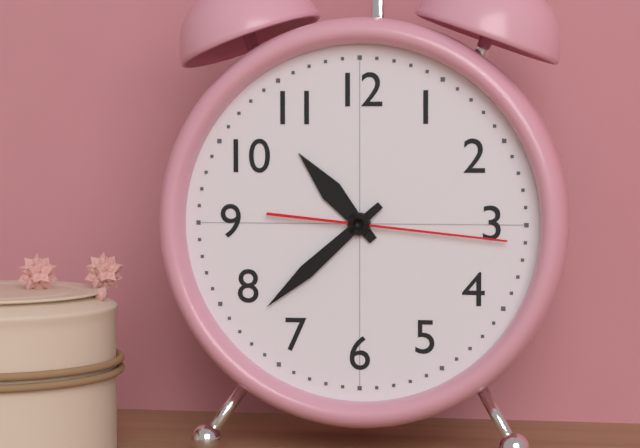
{"hour": 10, "minute": 38, "second": 16}
